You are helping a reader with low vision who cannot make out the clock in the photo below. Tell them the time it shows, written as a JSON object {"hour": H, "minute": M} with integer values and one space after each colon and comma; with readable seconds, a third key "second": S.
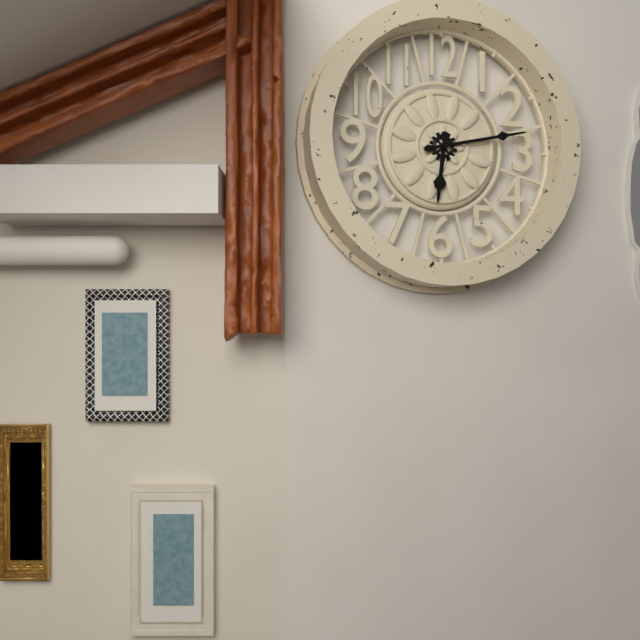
{"hour": 6, "minute": 13}
